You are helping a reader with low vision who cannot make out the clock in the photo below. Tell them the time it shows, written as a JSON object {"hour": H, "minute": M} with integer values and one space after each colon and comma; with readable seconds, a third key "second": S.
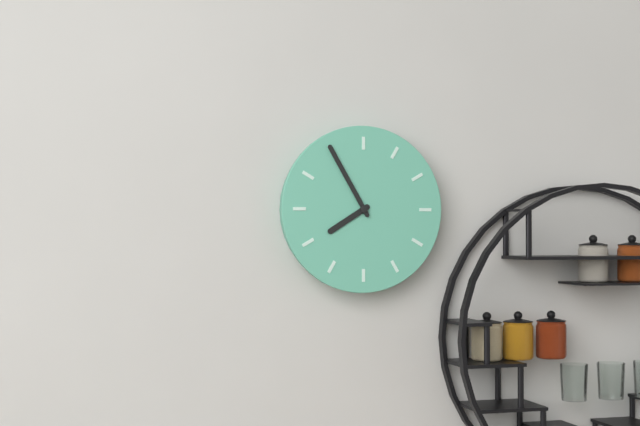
{"hour": 7, "minute": 55}
